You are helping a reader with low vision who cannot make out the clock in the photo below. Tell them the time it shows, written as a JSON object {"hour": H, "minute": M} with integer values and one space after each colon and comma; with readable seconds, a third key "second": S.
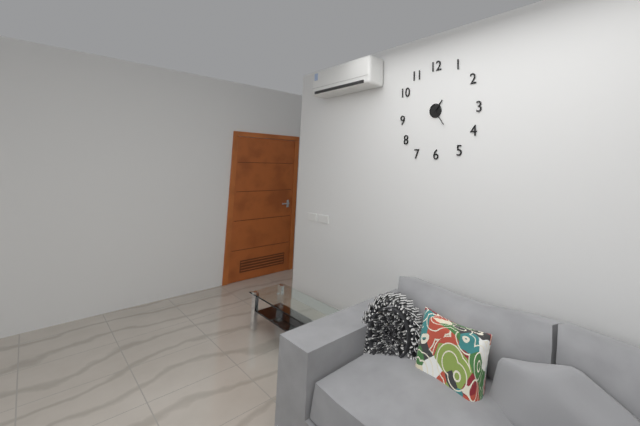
{"hour": 1, "minute": 24}
